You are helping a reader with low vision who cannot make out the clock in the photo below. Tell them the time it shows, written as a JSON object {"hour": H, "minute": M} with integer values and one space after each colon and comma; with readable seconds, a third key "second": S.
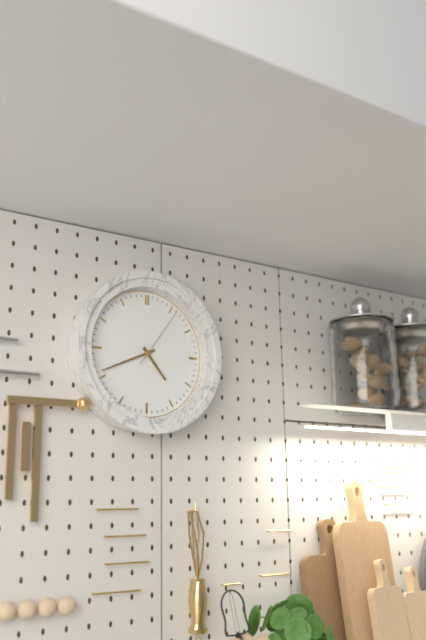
{"hour": 4, "minute": 41, "second": 6}
